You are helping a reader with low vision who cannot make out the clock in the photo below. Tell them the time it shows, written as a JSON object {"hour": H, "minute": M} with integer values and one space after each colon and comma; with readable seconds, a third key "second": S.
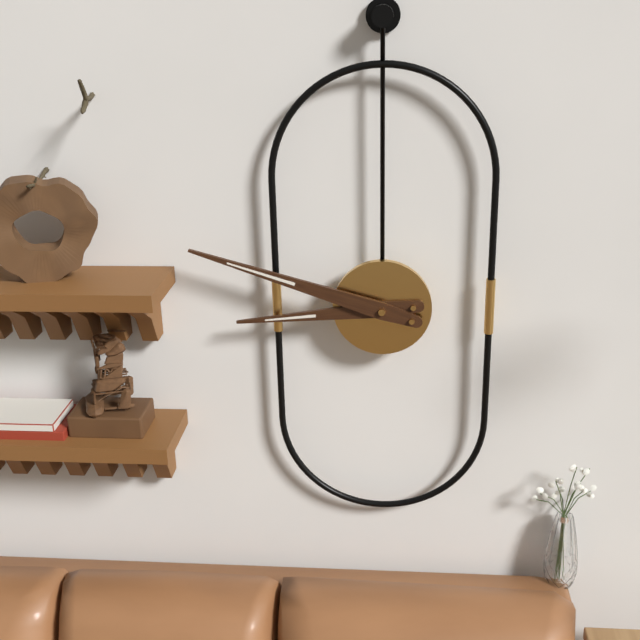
{"hour": 8, "minute": 48}
